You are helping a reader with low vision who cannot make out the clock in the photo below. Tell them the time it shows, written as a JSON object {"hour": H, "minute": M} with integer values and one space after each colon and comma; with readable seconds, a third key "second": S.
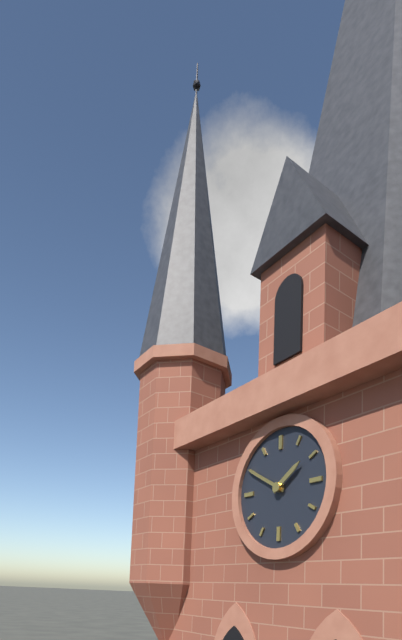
{"hour": 1, "minute": 50}
